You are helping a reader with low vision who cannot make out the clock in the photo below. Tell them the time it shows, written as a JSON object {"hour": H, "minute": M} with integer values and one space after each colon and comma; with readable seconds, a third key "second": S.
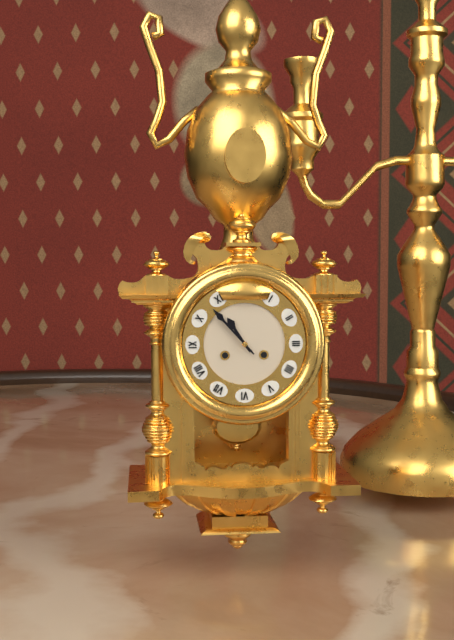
{"hour": 10, "minute": 53}
